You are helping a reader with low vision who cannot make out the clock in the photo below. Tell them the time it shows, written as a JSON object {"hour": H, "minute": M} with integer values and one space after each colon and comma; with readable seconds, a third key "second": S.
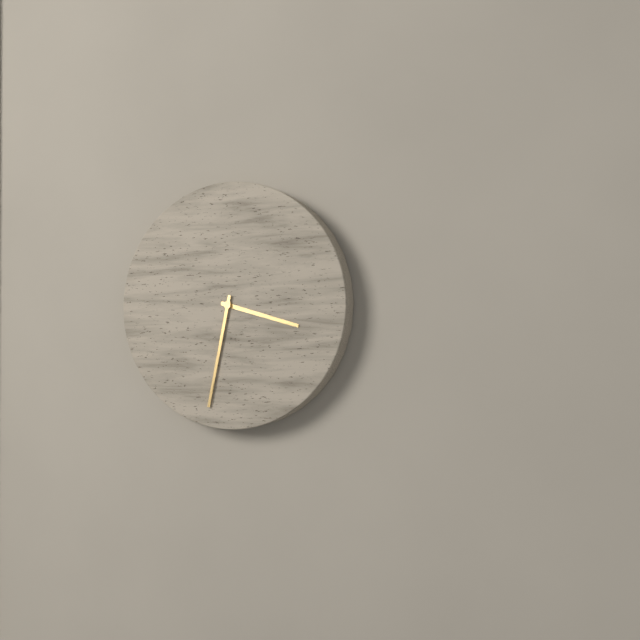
{"hour": 3, "minute": 32}
